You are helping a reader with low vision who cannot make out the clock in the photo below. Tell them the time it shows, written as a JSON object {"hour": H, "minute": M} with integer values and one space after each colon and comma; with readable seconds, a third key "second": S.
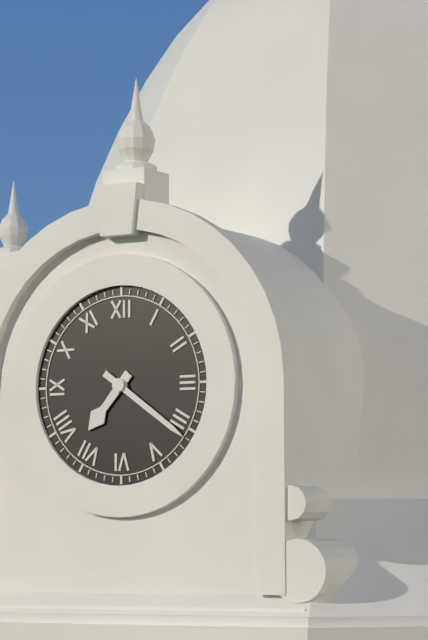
{"hour": 7, "minute": 21}
